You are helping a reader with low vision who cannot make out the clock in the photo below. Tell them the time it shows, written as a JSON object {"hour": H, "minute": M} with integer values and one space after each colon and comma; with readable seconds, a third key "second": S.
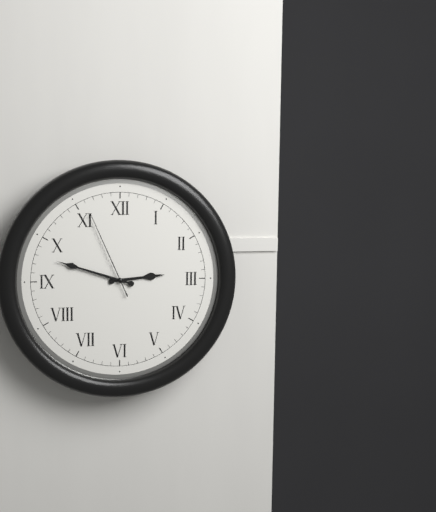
{"hour": 2, "minute": 48, "second": 56}
